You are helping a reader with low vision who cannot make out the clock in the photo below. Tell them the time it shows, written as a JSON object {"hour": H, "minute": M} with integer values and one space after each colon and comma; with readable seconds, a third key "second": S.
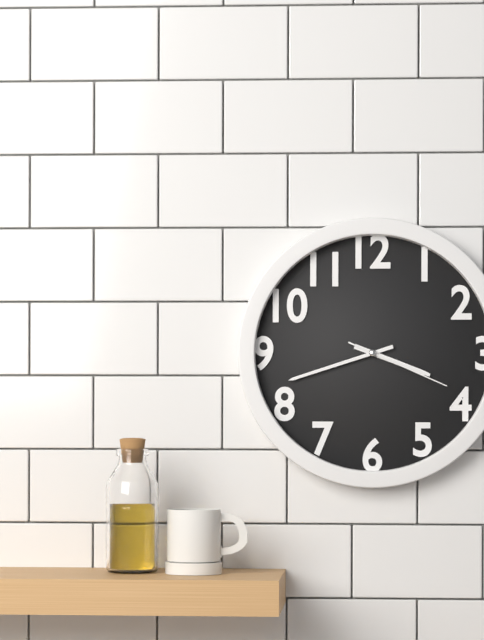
{"hour": 3, "minute": 42, "second": 19}
